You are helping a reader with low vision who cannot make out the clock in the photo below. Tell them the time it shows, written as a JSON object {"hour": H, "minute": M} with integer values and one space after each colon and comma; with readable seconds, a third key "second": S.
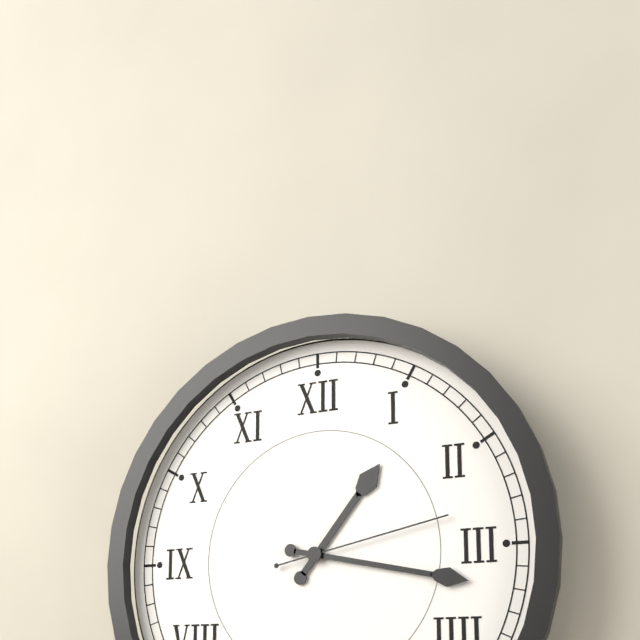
{"hour": 1, "minute": 17, "second": 13}
